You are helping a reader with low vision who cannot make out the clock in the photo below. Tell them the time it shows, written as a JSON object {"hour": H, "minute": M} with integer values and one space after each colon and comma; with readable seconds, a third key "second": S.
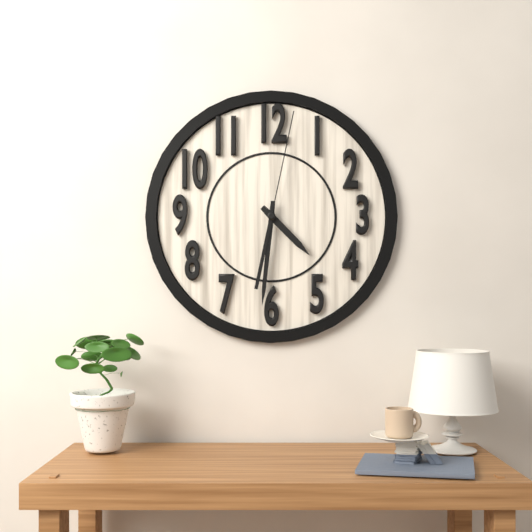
{"hour": 4, "minute": 31, "second": 2}
